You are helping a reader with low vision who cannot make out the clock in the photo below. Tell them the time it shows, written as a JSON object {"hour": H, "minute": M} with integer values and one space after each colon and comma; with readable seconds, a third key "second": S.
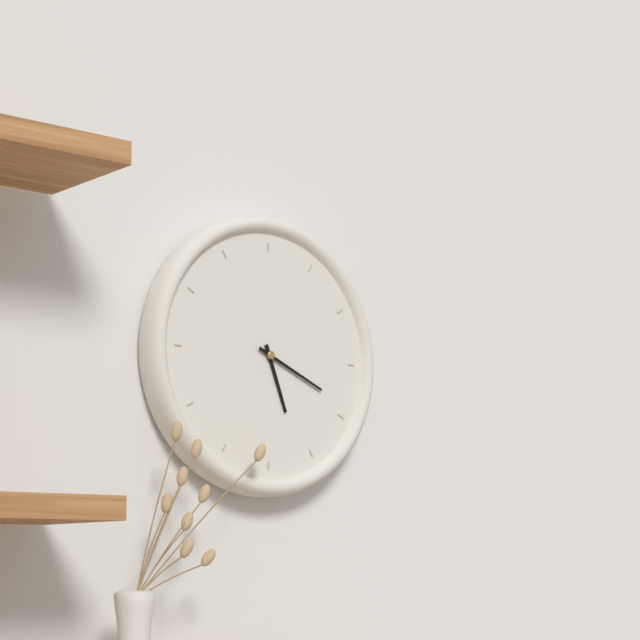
{"hour": 5, "minute": 19}
